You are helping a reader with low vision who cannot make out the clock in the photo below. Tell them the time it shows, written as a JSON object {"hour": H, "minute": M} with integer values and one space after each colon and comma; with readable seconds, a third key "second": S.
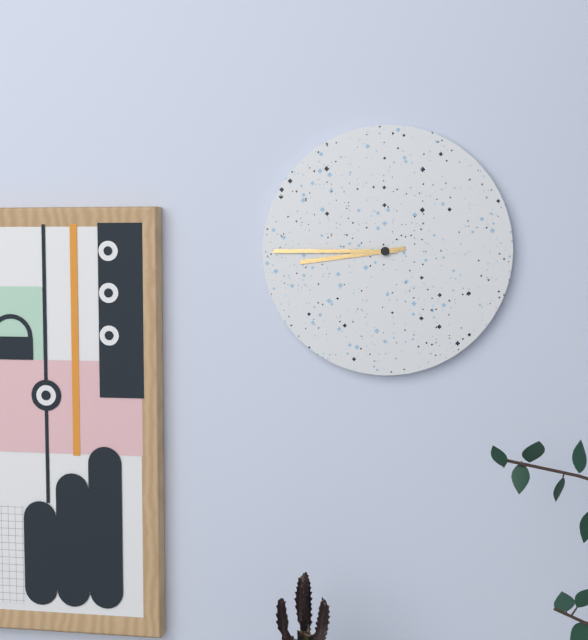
{"hour": 8, "minute": 45}
